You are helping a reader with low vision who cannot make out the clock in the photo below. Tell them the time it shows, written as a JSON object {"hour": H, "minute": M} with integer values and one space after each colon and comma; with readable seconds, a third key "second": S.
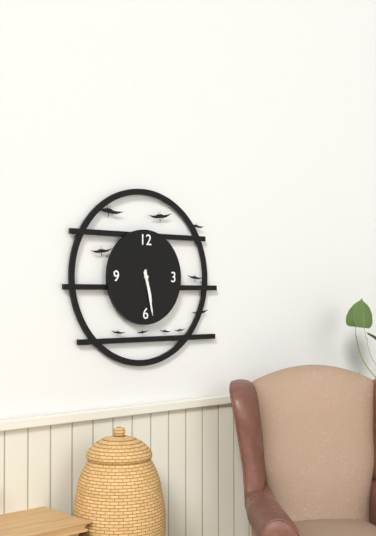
{"hour": 5, "minute": 28}
